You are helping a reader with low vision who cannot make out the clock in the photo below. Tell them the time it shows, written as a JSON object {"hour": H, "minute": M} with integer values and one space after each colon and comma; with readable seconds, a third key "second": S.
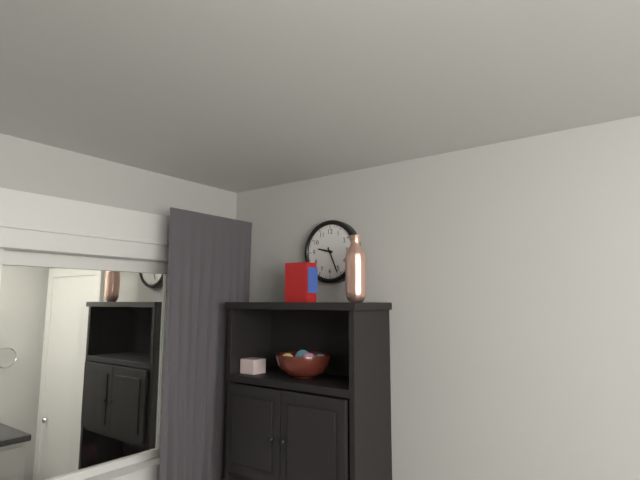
{"hour": 9, "minute": 26}
